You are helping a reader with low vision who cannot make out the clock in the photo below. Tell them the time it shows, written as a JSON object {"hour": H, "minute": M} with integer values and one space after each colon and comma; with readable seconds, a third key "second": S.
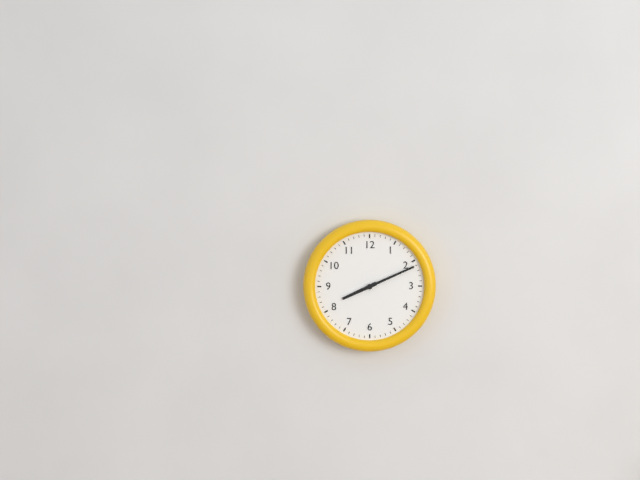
{"hour": 8, "minute": 11}
